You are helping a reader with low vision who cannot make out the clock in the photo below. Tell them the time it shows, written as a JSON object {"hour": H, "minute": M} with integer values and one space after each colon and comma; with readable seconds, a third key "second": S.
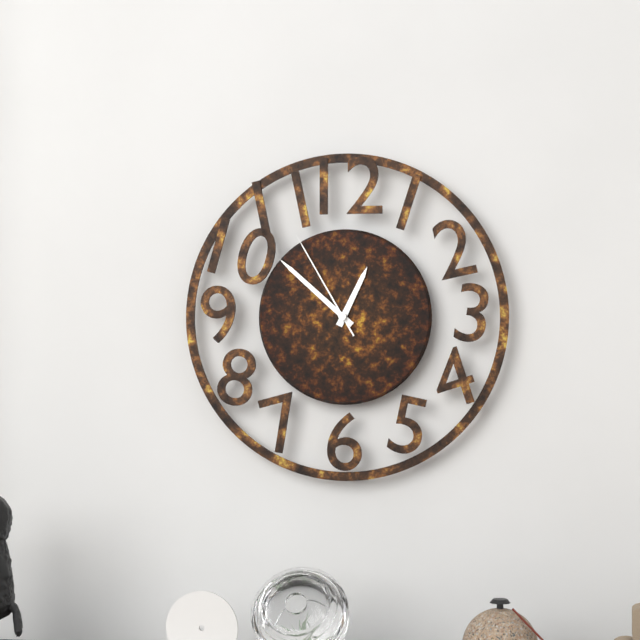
{"hour": 12, "minute": 52, "second": 55}
